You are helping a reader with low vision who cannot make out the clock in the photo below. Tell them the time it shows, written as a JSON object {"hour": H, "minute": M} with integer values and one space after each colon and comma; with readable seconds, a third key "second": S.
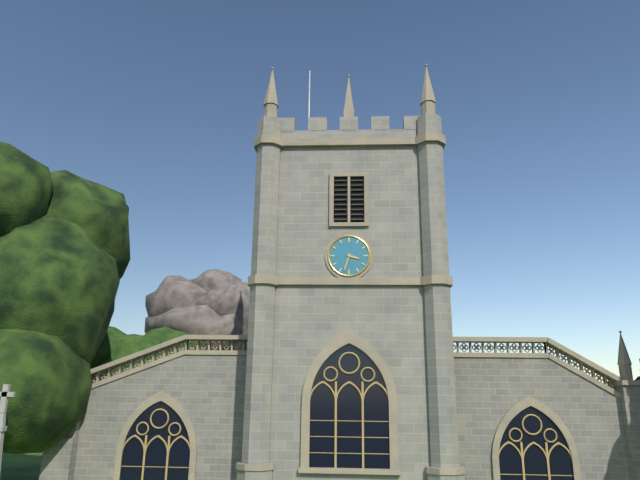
{"hour": 3, "minute": 33}
